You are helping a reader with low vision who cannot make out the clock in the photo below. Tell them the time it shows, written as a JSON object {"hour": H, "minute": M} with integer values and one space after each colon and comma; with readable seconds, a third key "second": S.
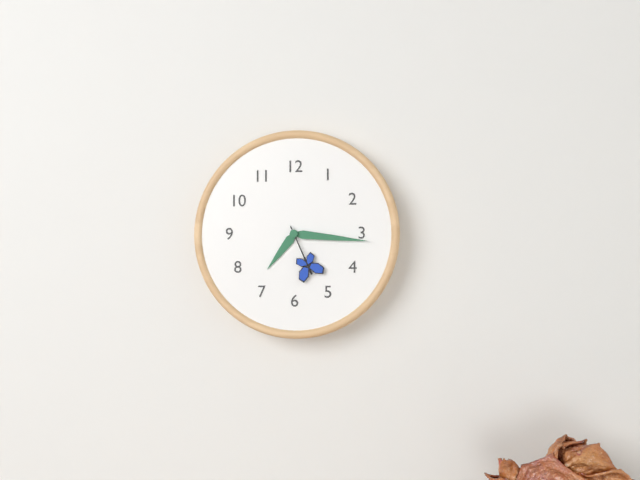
{"hour": 7, "minute": 16, "second": 26}
